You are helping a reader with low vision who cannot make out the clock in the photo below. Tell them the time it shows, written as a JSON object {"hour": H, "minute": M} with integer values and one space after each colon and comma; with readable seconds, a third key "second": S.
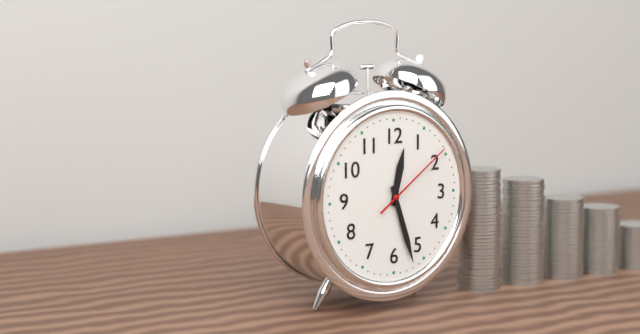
{"hour": 12, "minute": 27, "second": 9}
